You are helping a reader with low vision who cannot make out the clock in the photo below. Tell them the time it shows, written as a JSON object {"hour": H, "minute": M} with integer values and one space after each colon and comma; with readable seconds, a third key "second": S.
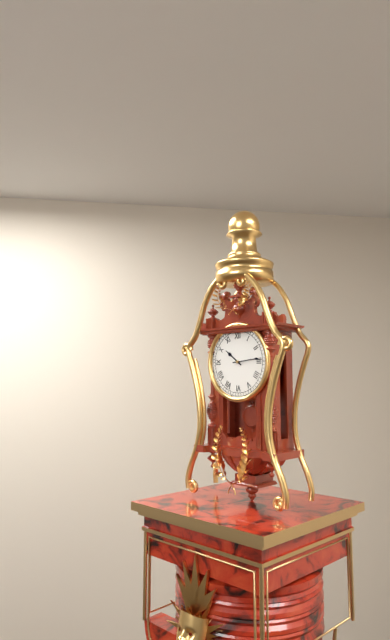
{"hour": 10, "minute": 14}
